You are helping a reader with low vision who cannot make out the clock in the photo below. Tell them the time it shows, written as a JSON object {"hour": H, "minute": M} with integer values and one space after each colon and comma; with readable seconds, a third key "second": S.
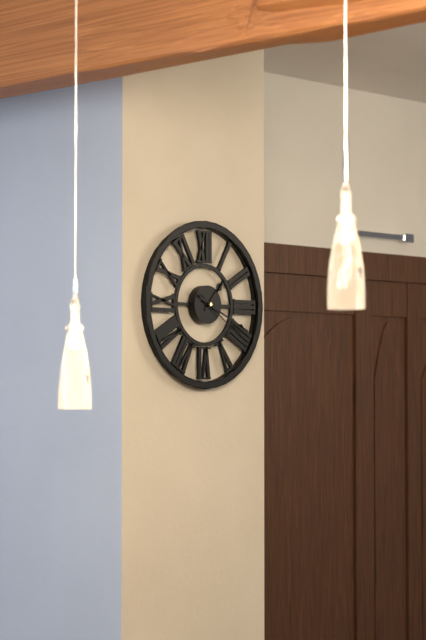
{"hour": 1, "minute": 19, "second": 21}
